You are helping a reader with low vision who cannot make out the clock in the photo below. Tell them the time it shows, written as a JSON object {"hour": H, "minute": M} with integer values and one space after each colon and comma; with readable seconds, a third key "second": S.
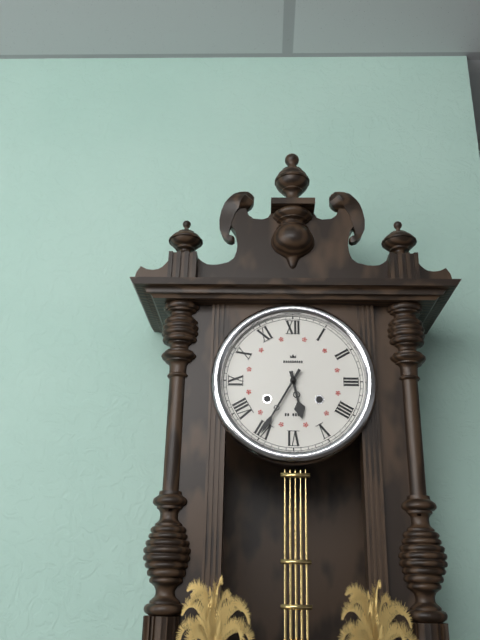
{"hour": 5, "minute": 35}
